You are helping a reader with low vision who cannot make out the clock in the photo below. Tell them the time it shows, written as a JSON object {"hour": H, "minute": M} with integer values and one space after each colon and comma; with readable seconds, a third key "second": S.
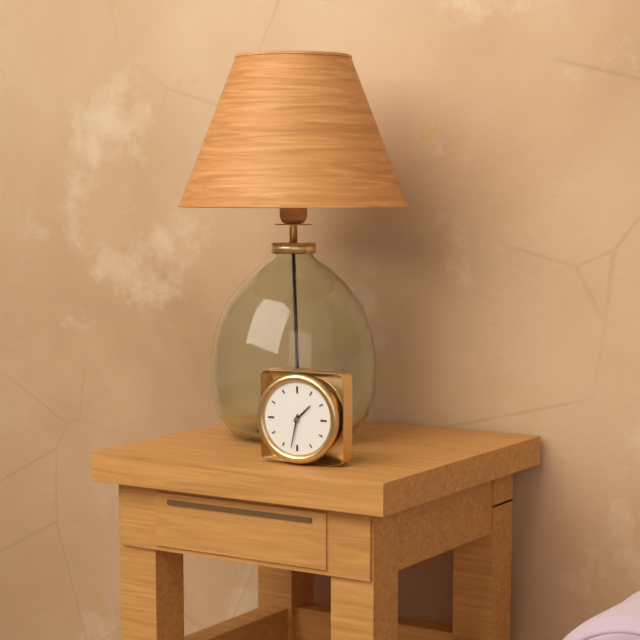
{"hour": 1, "minute": 32}
